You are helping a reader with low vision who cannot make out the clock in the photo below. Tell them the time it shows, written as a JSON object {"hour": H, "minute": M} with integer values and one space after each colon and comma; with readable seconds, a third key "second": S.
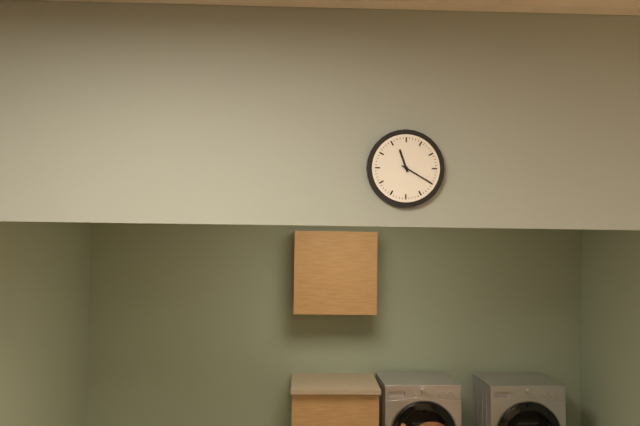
{"hour": 11, "minute": 20}
